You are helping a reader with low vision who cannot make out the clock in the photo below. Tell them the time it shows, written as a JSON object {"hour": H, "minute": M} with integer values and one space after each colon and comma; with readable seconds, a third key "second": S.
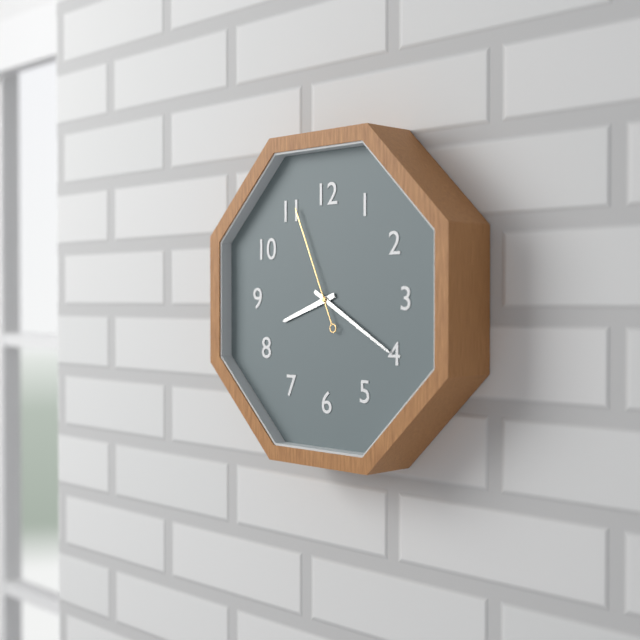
{"hour": 8, "minute": 20, "second": 56}
